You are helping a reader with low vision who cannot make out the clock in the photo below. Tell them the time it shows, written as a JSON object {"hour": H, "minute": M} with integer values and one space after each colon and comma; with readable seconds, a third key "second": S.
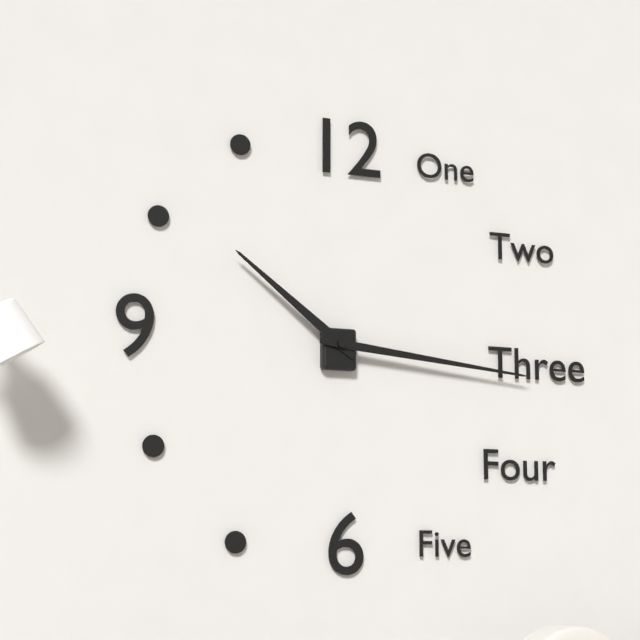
{"hour": 10, "minute": 16}
